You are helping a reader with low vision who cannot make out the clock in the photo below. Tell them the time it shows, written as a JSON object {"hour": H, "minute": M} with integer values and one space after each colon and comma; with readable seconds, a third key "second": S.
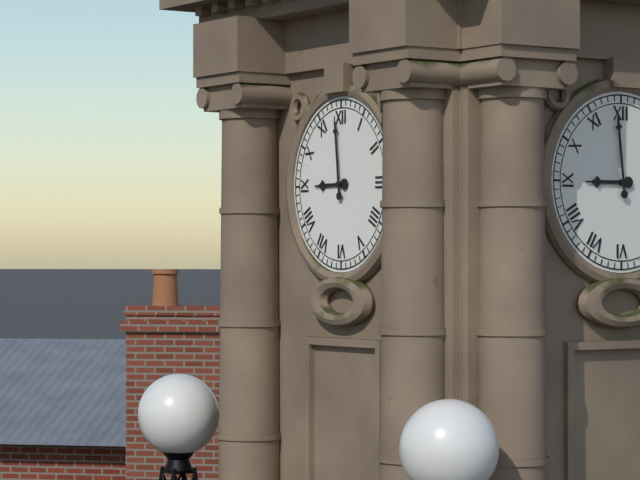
{"hour": 8, "minute": 59}
